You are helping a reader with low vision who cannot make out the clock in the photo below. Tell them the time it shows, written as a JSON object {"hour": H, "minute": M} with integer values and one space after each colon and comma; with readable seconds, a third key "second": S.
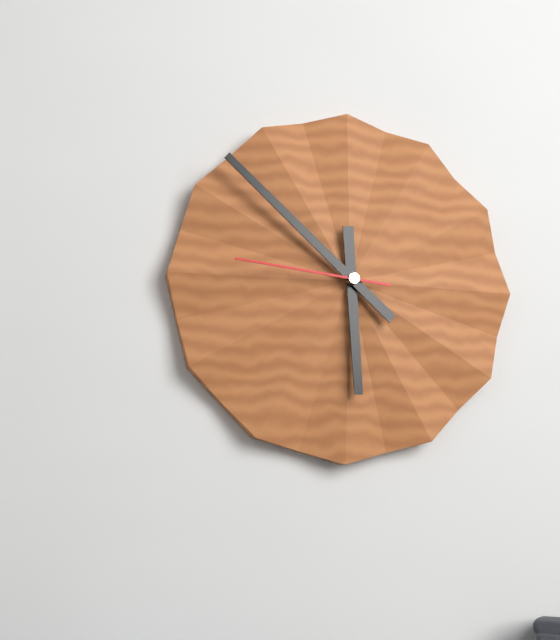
{"hour": 5, "minute": 52, "second": 46}
